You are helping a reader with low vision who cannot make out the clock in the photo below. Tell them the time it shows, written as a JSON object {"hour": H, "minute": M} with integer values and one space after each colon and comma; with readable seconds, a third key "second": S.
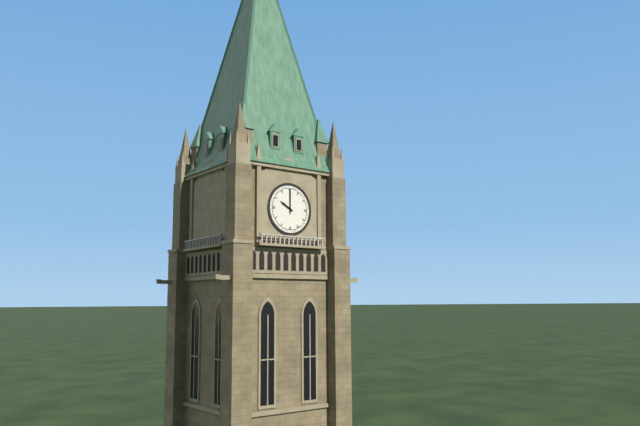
{"hour": 10, "minute": 0}
